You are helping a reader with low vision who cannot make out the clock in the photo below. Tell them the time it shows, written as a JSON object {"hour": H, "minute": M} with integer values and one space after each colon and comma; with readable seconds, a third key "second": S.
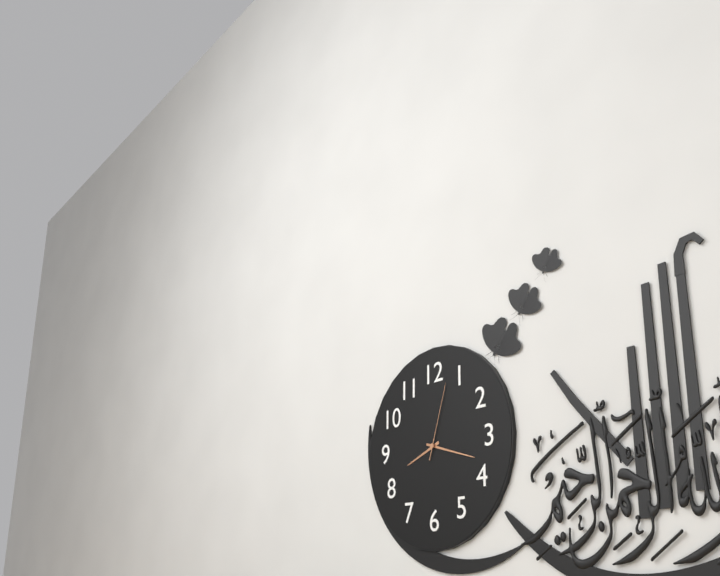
{"hour": 8, "minute": 18, "second": 3}
